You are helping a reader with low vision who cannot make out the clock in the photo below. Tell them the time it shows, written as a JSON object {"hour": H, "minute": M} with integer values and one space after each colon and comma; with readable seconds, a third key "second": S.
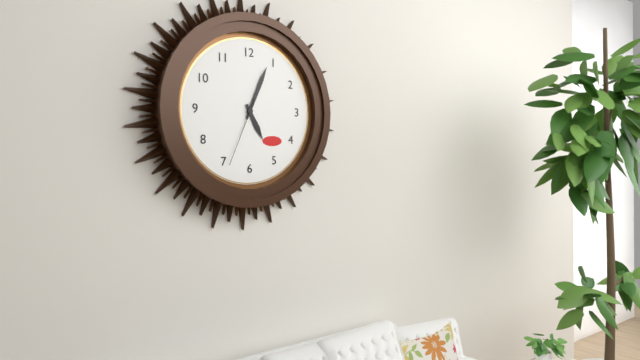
{"hour": 5, "minute": 4, "second": 34}
